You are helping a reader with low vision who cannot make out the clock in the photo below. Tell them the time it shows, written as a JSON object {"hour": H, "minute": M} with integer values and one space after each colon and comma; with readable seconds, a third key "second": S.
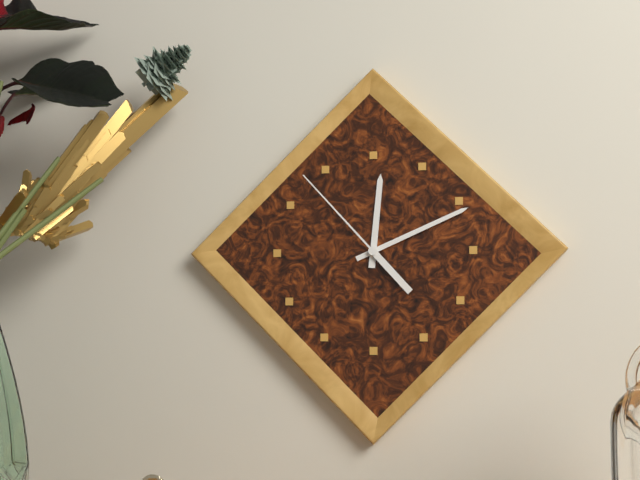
{"hour": 12, "minute": 11, "second": 53}
